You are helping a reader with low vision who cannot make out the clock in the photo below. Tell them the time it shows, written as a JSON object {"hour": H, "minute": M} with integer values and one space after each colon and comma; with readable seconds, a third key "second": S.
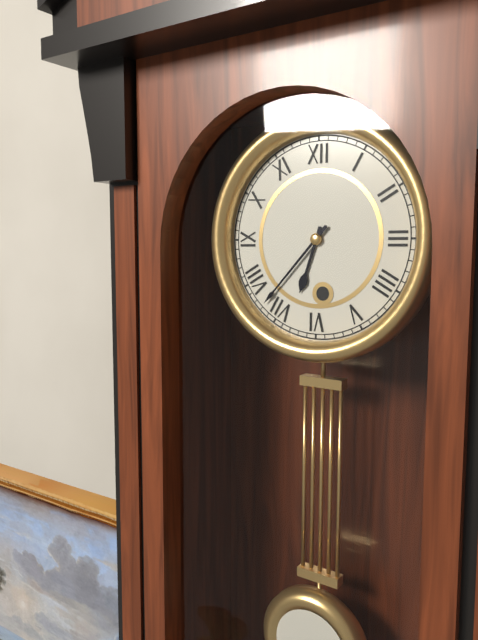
{"hour": 6, "minute": 37}
